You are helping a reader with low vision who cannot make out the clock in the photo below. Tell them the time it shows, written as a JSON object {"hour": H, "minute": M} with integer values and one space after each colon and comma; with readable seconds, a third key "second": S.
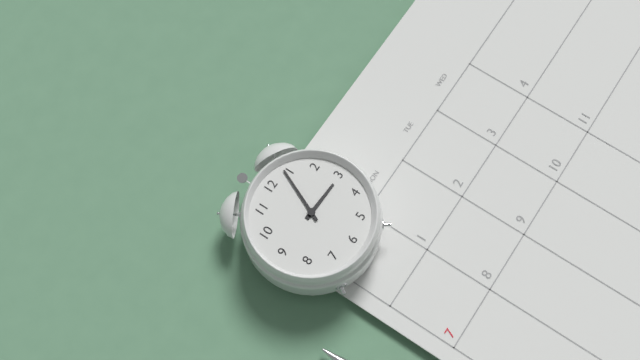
{"hour": 3, "minute": 4}
